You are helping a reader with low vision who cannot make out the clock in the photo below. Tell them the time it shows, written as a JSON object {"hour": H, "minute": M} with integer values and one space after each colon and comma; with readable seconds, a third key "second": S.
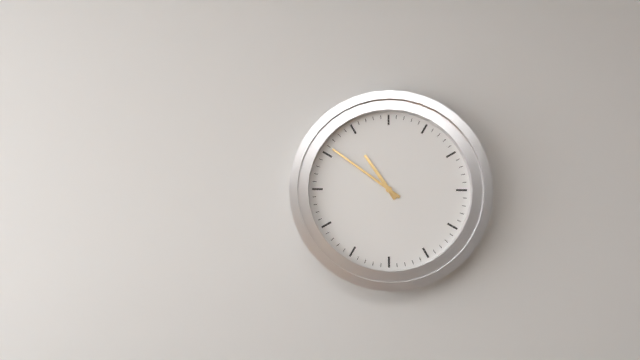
{"hour": 10, "minute": 51}
